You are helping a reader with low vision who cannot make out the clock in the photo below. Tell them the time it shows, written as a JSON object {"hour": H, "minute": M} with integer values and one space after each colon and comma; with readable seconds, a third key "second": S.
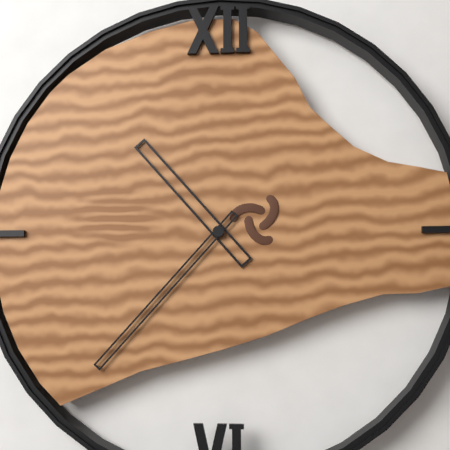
{"hour": 10, "minute": 37}
